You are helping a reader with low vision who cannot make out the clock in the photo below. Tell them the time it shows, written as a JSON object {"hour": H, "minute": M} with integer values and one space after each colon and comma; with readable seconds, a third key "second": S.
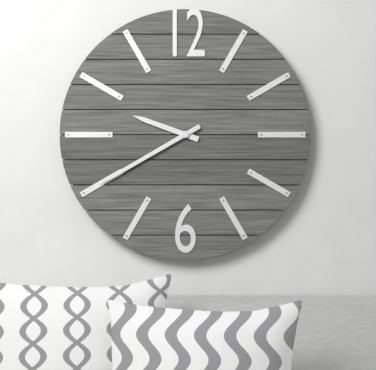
{"hour": 9, "minute": 40}
